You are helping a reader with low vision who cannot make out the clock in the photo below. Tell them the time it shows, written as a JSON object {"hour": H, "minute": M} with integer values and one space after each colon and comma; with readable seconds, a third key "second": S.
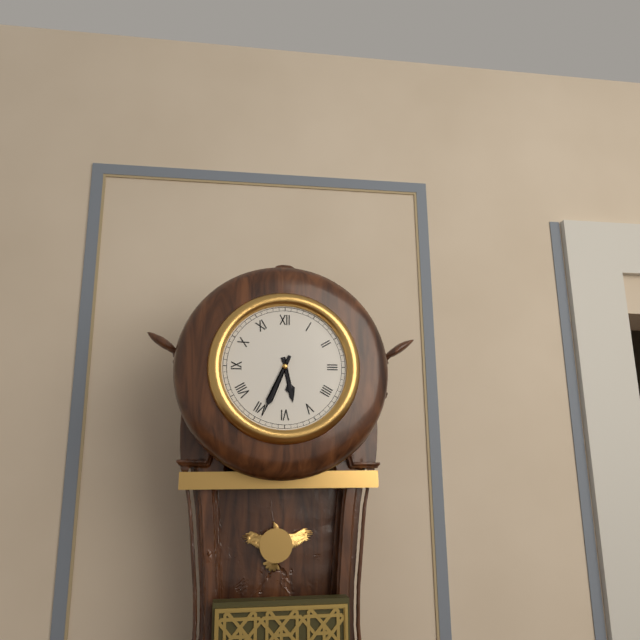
{"hour": 5, "minute": 34}
